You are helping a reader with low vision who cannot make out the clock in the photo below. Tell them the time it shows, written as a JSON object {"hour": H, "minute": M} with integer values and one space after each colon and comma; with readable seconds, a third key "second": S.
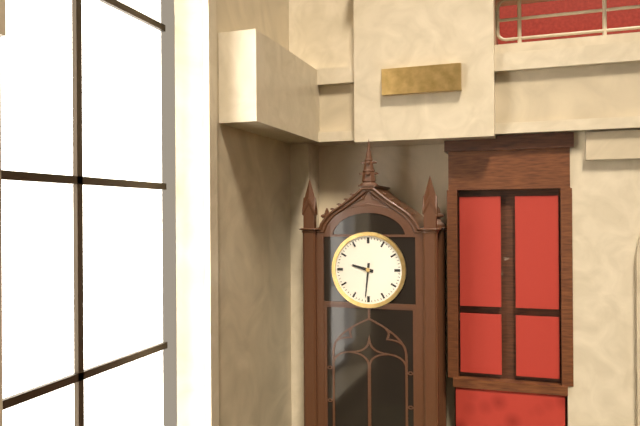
{"hour": 9, "minute": 31}
